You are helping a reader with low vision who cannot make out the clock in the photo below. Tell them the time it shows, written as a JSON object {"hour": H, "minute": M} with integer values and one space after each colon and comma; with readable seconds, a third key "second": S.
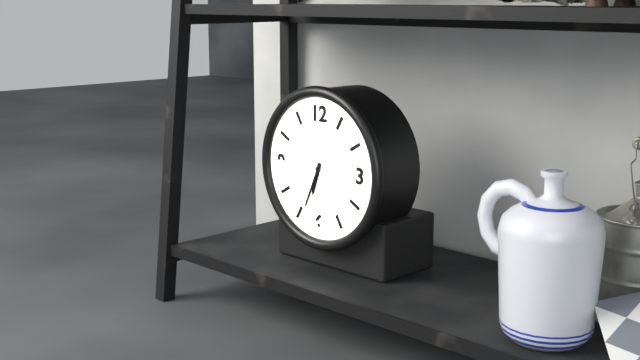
{"hour": 6, "minute": 34}
